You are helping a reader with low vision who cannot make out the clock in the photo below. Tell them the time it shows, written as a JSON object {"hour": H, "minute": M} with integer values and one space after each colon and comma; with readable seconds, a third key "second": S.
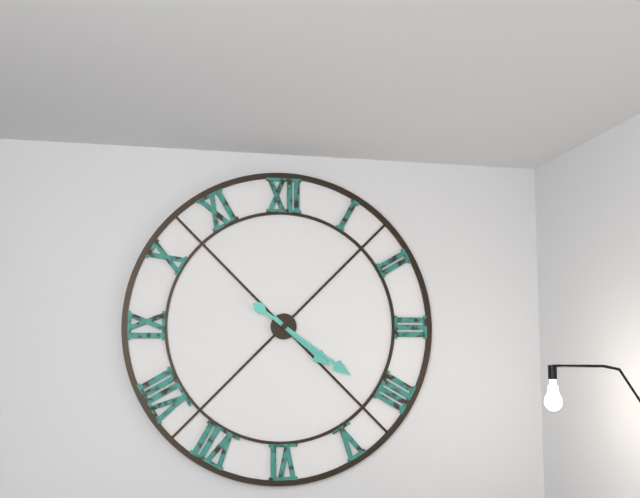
{"hour": 4, "minute": 21}
